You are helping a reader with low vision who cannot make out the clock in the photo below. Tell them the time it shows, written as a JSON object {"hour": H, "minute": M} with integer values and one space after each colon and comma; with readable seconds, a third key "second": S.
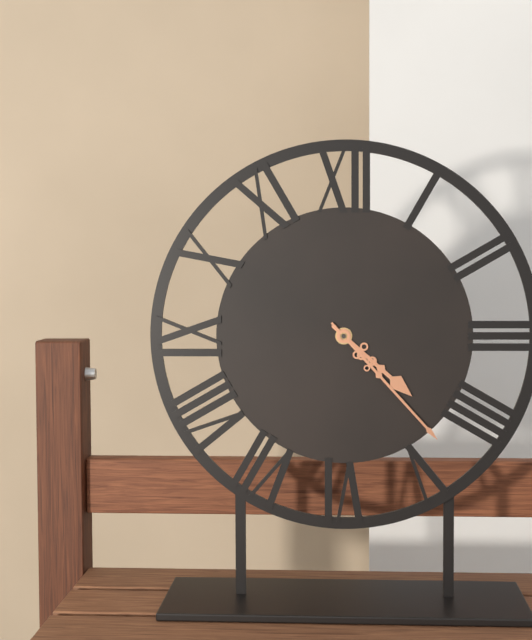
{"hour": 4, "minute": 23}
